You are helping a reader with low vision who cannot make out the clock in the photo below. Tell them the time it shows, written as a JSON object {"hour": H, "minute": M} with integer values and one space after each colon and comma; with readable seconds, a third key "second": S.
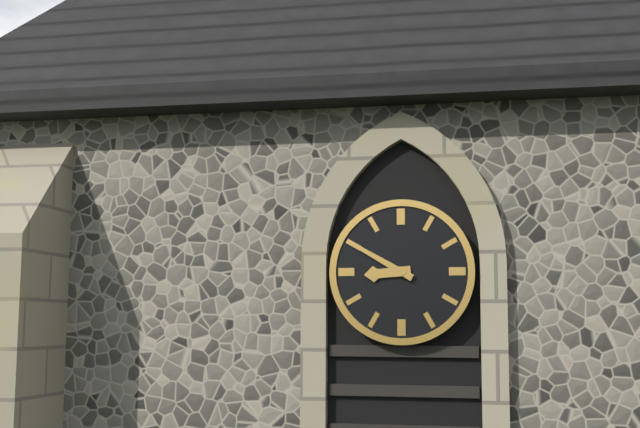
{"hour": 8, "minute": 50}
